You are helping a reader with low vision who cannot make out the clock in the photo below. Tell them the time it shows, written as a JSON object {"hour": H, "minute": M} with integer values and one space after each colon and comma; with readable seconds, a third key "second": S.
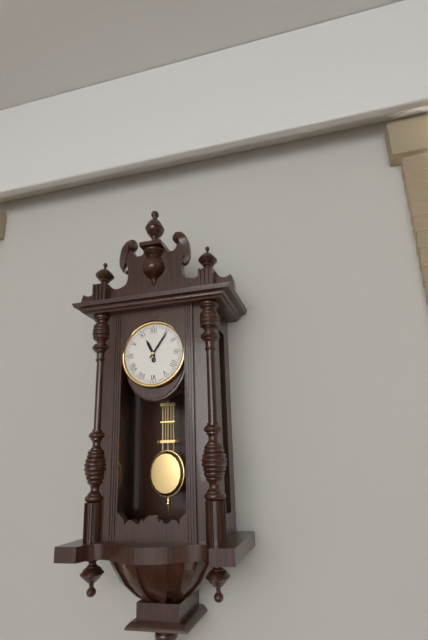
{"hour": 11, "minute": 6}
